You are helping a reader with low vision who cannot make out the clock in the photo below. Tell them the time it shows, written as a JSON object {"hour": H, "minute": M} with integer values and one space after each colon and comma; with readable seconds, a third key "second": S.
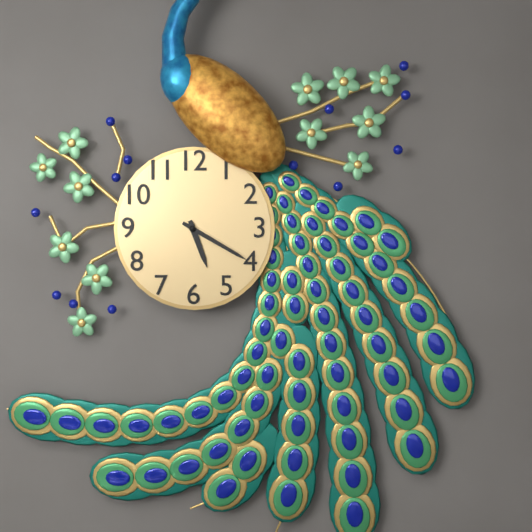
{"hour": 5, "minute": 20}
